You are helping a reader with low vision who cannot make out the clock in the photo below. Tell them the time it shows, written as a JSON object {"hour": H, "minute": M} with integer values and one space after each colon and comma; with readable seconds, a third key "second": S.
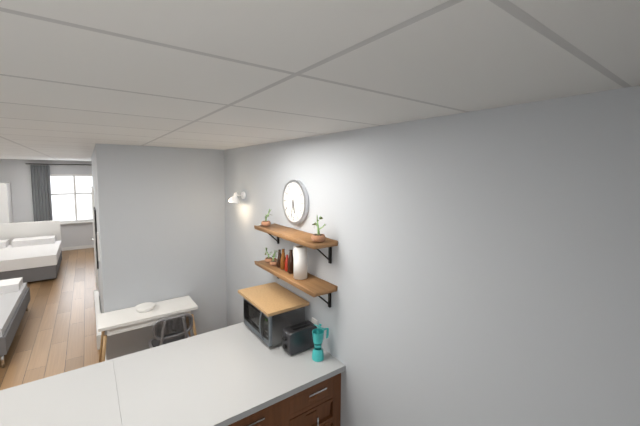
{"hour": 5, "minute": 32}
